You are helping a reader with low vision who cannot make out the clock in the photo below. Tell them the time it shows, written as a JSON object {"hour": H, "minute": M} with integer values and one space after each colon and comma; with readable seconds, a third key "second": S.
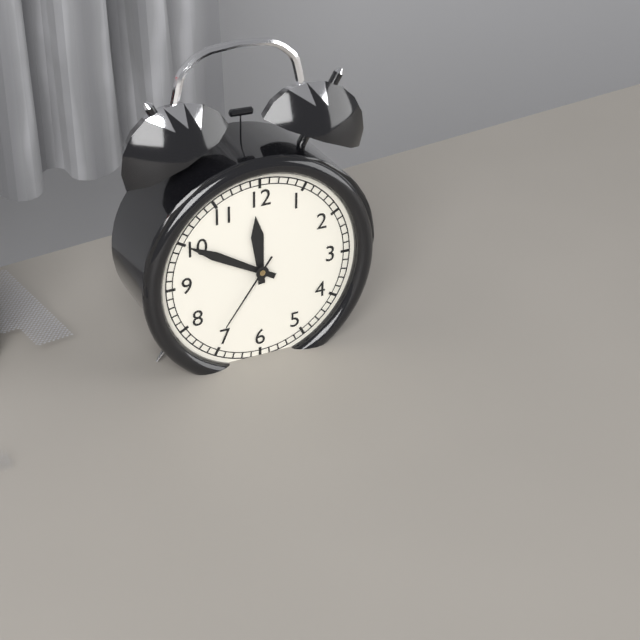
{"hour": 11, "minute": 50, "second": 36}
